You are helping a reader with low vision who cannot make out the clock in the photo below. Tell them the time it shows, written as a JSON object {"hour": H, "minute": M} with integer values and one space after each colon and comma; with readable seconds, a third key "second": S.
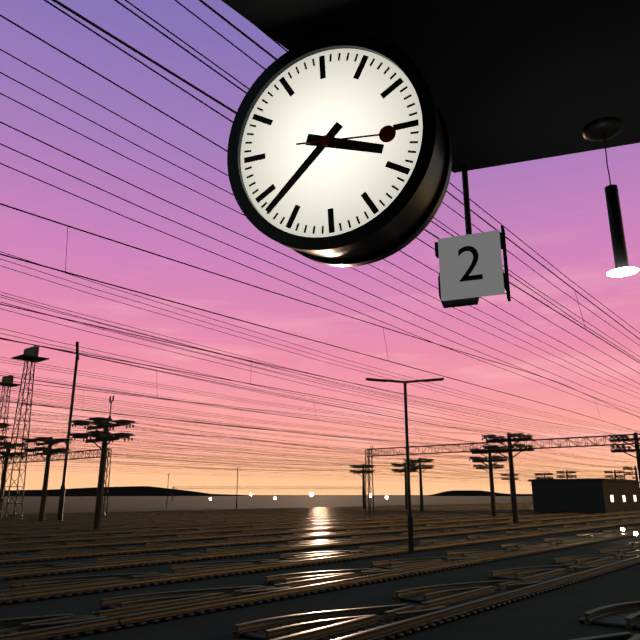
{"hour": 3, "minute": 38, "second": 16}
